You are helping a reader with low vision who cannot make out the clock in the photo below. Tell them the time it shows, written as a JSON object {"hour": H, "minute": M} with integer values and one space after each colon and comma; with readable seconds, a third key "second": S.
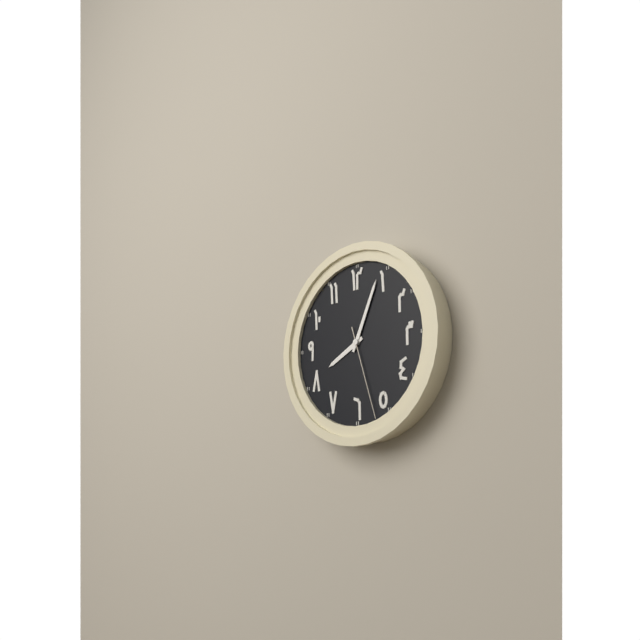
{"hour": 8, "minute": 4, "second": 27}
